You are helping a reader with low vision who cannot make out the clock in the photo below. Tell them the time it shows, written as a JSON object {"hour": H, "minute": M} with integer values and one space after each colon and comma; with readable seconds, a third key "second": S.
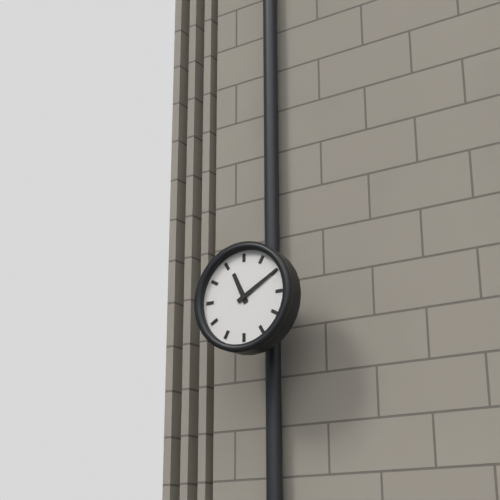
{"hour": 11, "minute": 10}
